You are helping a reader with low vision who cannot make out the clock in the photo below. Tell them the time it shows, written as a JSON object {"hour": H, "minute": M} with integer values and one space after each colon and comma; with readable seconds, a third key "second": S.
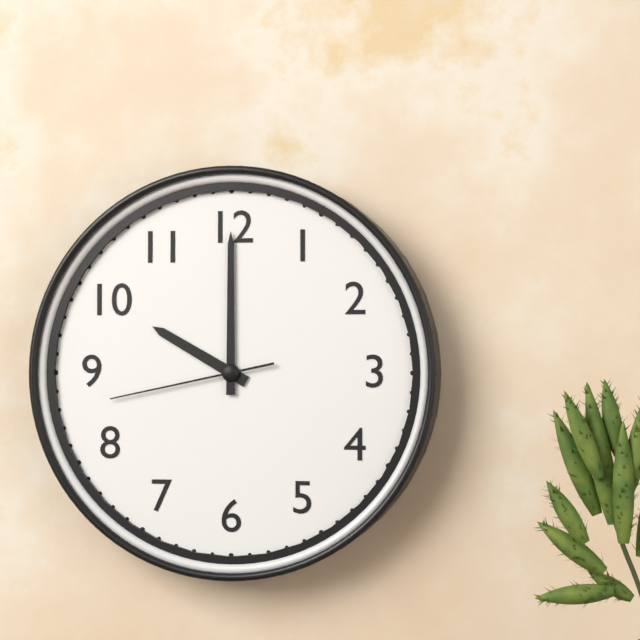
{"hour": 10, "minute": 0, "second": 43}
